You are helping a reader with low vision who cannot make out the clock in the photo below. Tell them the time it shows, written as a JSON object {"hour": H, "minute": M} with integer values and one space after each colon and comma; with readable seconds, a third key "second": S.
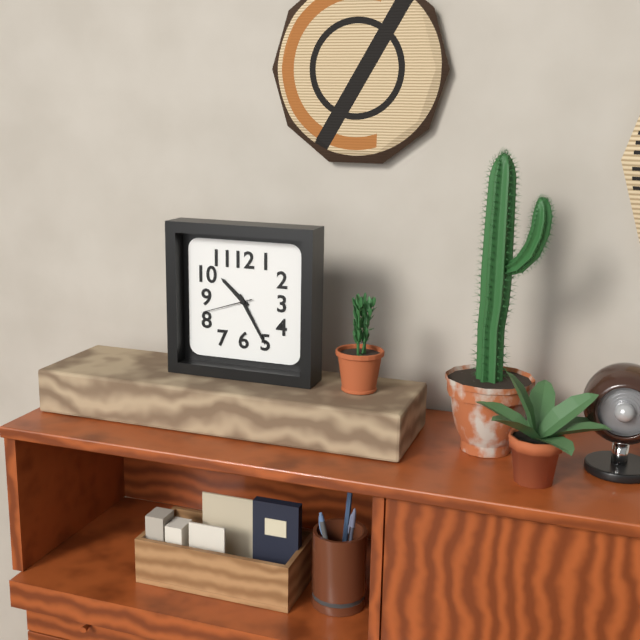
{"hour": 10, "minute": 25, "second": 42}
